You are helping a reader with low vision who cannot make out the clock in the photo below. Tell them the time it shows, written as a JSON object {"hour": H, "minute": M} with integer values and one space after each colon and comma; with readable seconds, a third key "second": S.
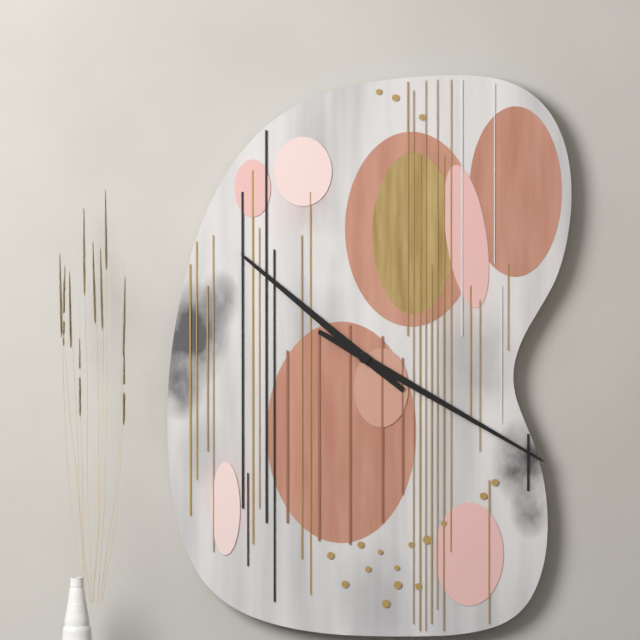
{"hour": 10, "minute": 20}
